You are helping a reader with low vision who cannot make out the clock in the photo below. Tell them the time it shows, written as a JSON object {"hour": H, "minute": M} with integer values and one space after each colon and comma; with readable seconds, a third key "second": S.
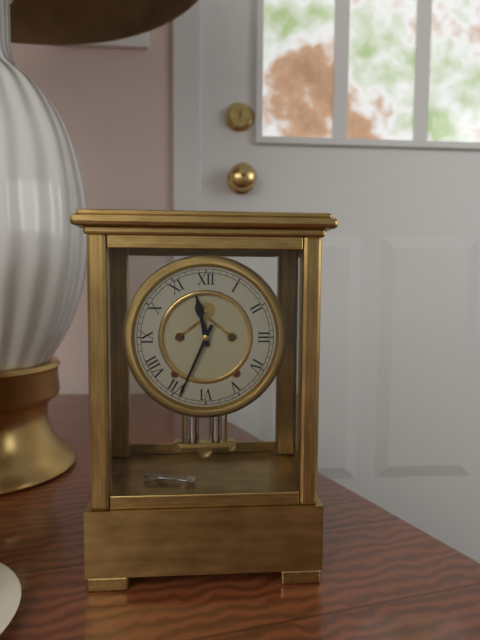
{"hour": 11, "minute": 34}
